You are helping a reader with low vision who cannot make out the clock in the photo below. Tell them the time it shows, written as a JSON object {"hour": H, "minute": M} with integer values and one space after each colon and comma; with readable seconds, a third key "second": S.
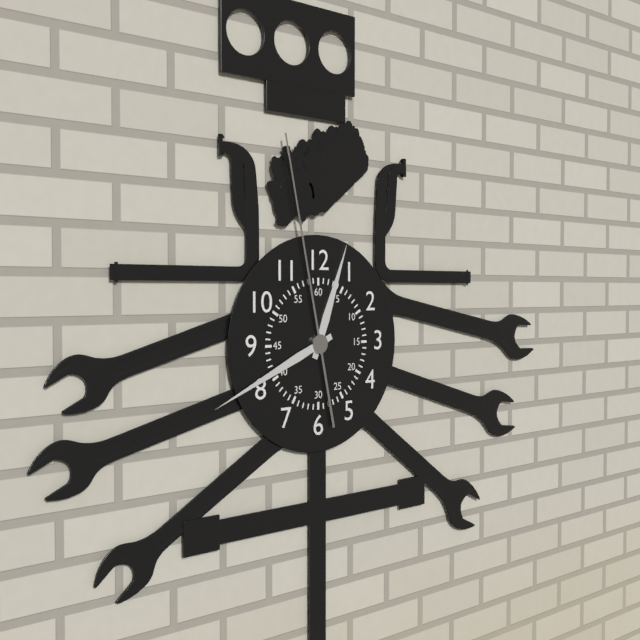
{"hour": 12, "minute": 41, "second": 58}
